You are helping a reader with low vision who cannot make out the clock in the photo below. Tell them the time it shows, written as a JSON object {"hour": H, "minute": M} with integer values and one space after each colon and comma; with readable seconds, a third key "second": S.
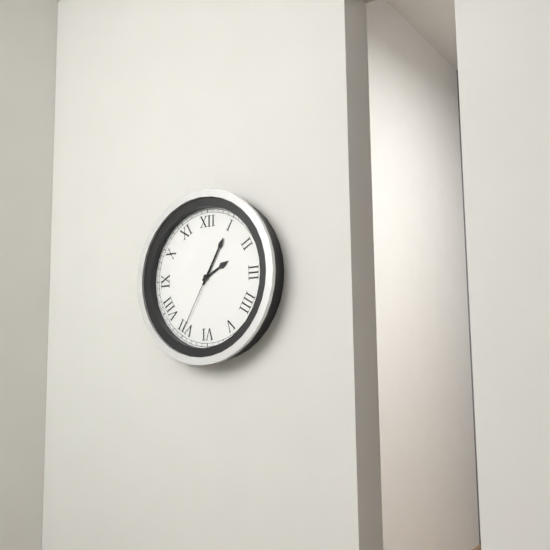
{"hour": 2, "minute": 5, "second": 35}
